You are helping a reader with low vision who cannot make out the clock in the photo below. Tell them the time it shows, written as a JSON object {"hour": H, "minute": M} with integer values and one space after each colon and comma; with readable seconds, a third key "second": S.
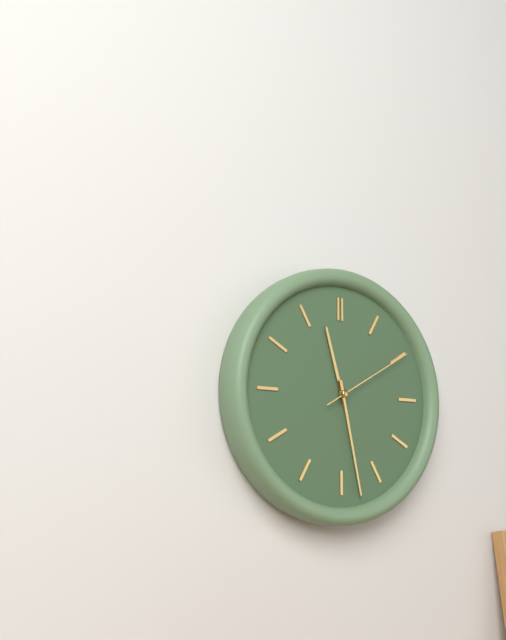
{"hour": 11, "minute": 28, "second": 10}
